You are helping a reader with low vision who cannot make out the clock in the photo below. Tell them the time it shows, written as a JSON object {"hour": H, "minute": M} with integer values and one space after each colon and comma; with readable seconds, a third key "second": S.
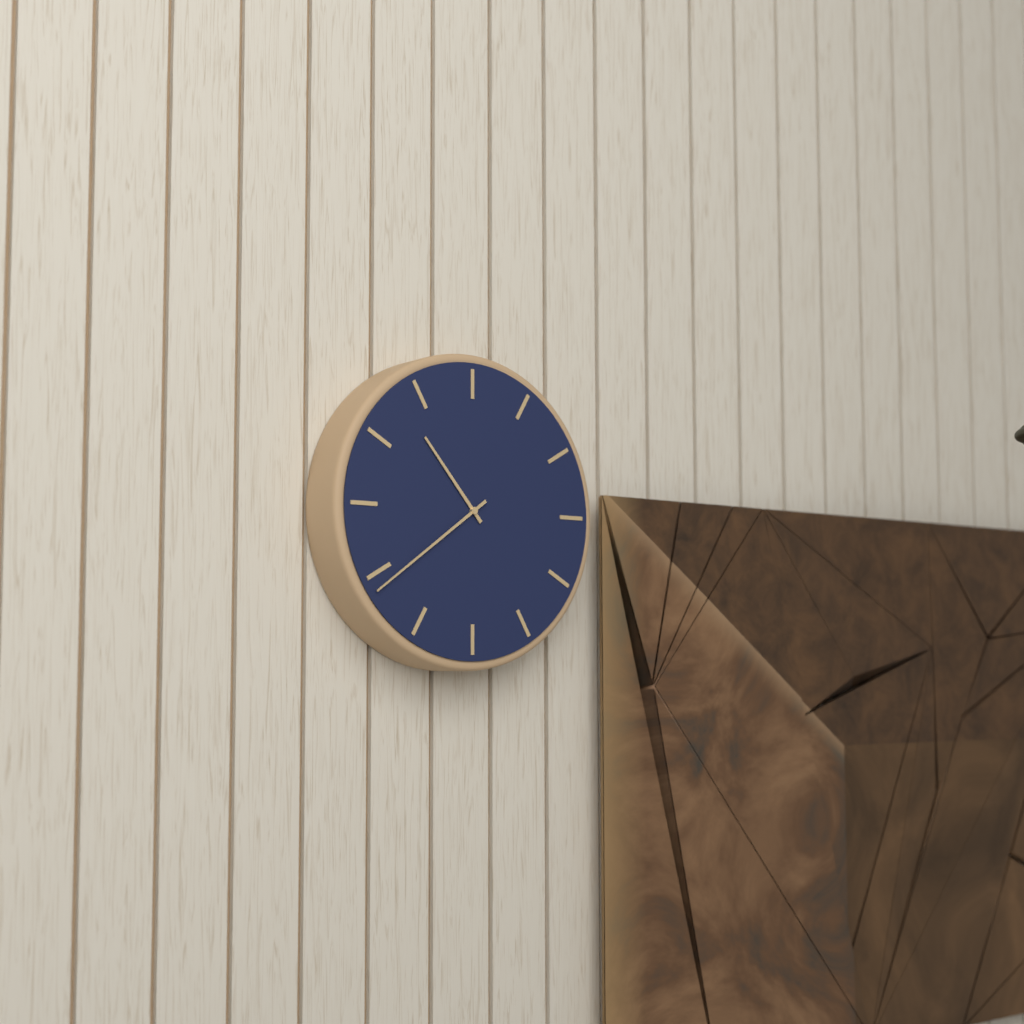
{"hour": 10, "minute": 39}
